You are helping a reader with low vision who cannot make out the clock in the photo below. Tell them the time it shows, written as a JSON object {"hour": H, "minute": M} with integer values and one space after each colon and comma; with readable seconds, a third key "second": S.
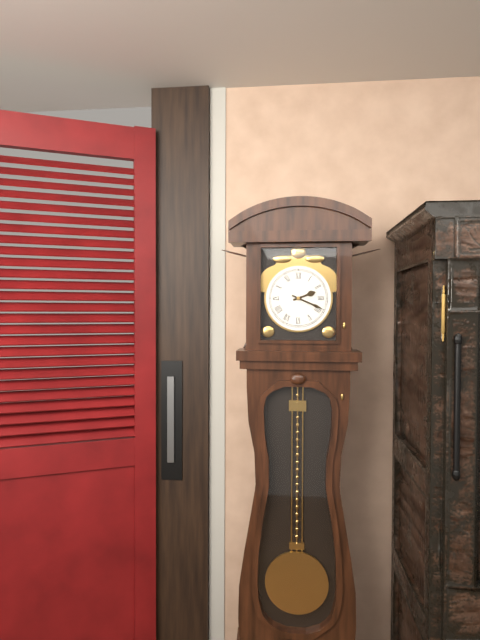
{"hour": 2, "minute": 19}
